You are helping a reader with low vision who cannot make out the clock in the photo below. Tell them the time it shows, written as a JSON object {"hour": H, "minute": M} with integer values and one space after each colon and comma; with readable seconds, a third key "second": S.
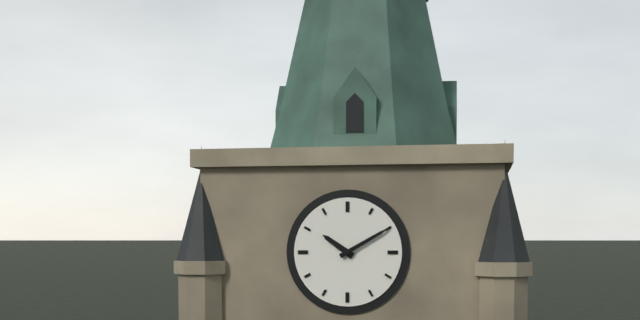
{"hour": 10, "minute": 10}
